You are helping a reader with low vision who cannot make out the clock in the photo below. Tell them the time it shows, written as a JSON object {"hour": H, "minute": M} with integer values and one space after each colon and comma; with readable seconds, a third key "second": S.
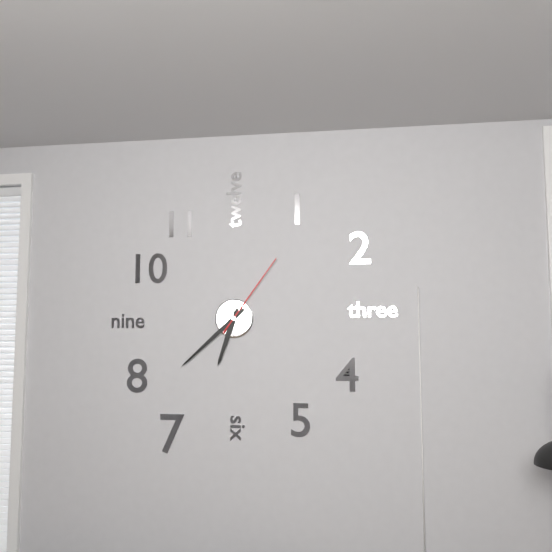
{"hour": 6, "minute": 38, "second": 6}
